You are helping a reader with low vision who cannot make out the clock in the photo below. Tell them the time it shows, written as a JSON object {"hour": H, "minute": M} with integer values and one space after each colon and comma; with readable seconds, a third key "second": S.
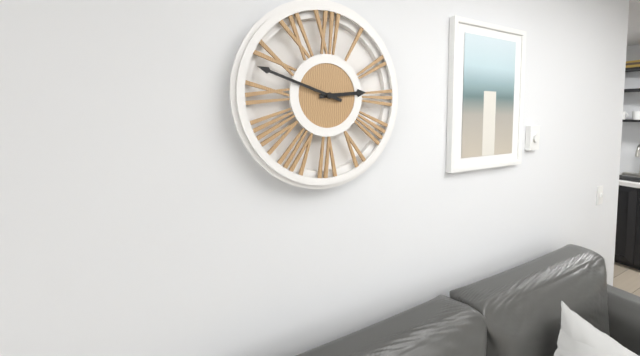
{"hour": 2, "minute": 48}
